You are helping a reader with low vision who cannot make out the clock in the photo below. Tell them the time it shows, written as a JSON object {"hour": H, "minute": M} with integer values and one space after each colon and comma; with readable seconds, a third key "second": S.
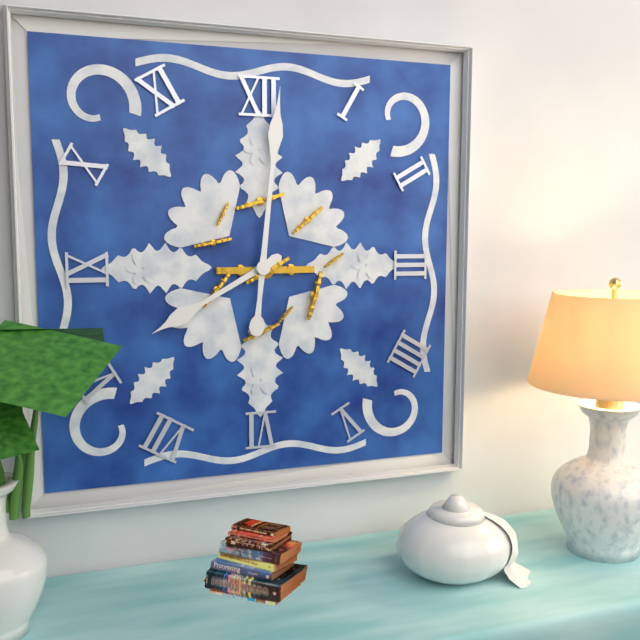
{"hour": 8, "minute": 1}
